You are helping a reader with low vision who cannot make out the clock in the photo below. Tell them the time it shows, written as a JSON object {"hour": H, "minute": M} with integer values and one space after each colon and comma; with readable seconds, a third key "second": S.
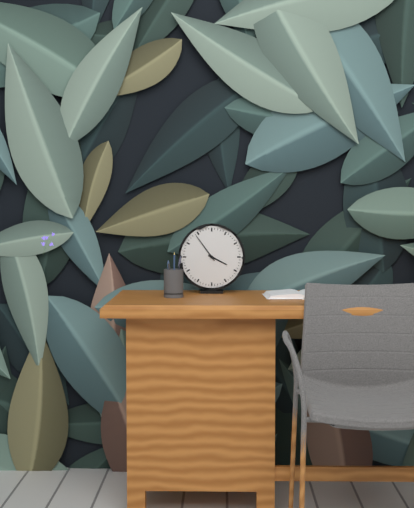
{"hour": 3, "minute": 54}
